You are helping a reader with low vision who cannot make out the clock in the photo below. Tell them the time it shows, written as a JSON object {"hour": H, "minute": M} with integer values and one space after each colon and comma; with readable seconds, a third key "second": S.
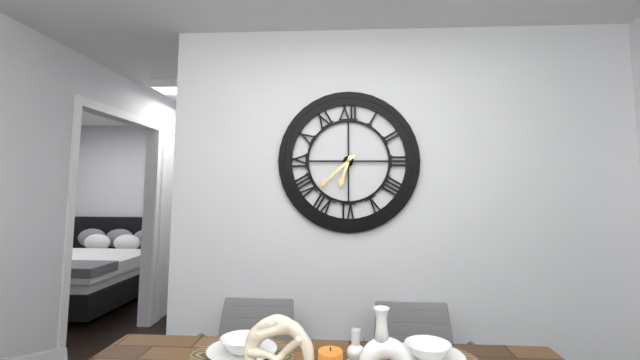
{"hour": 6, "minute": 38}
